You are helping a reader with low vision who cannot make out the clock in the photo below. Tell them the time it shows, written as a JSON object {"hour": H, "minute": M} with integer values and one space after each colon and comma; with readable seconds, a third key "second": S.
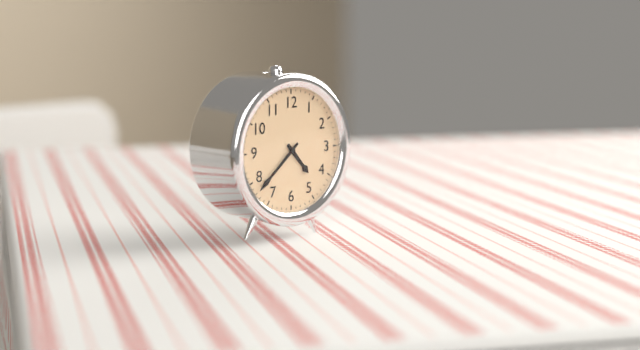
{"hour": 4, "minute": 38}
